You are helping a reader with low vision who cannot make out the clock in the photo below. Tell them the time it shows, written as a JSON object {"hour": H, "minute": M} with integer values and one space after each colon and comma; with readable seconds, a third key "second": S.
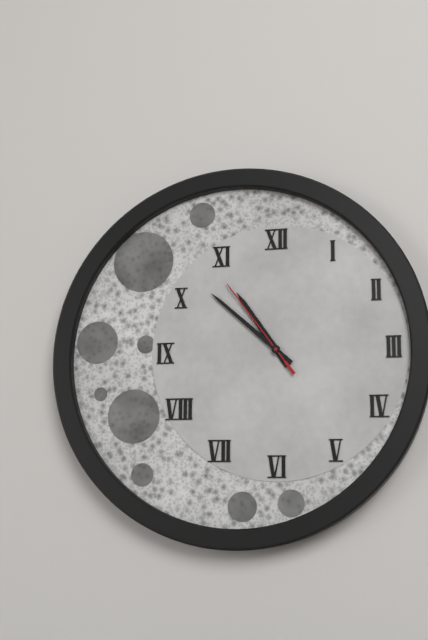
{"hour": 10, "minute": 52, "second": 54}
